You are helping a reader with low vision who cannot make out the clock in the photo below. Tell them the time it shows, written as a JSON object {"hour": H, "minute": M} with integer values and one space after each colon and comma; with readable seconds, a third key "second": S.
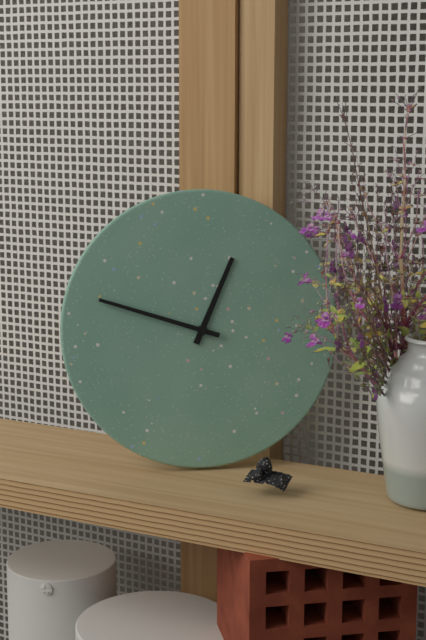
{"hour": 12, "minute": 48}
